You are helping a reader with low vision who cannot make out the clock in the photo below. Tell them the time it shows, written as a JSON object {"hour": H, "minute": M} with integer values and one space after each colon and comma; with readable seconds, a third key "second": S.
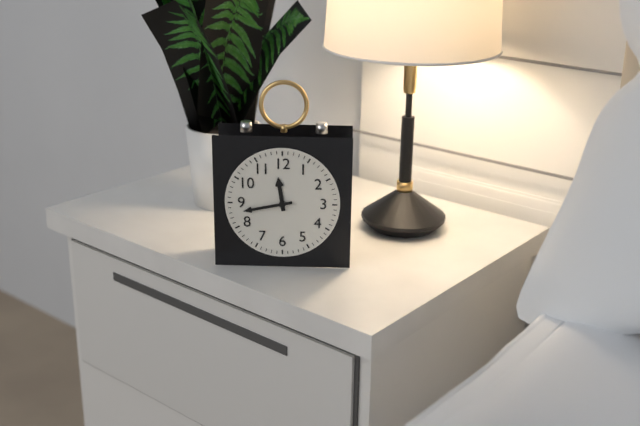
{"hour": 11, "minute": 43}
